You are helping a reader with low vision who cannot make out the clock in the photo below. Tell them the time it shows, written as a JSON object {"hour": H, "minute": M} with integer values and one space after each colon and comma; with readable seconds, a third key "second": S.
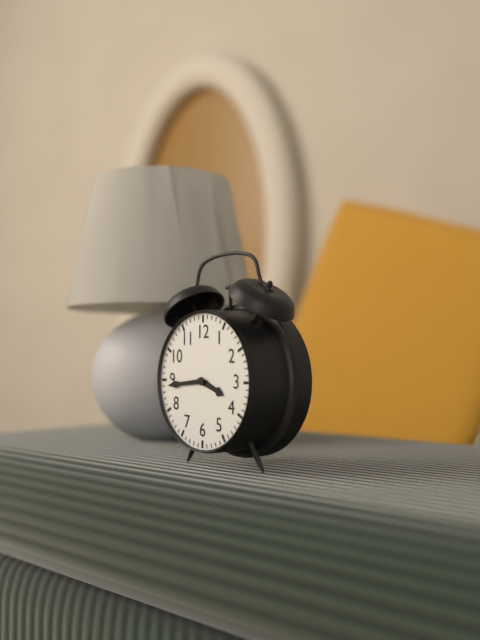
{"hour": 3, "minute": 44}
